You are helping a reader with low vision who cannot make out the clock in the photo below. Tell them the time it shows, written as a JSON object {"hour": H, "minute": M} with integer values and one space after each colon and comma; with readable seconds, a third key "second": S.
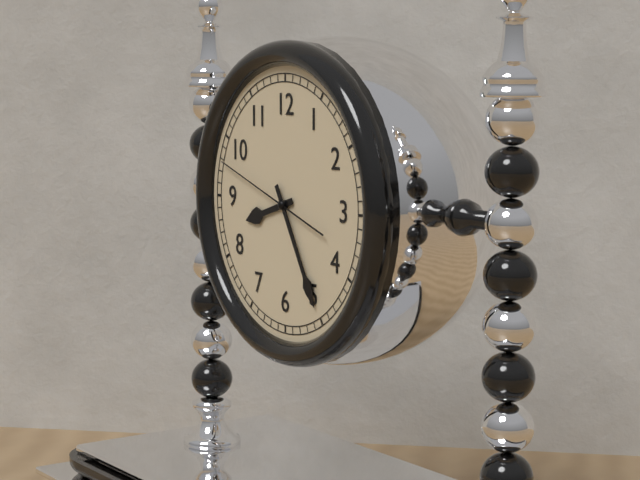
{"hour": 8, "minute": 25, "second": 48}
